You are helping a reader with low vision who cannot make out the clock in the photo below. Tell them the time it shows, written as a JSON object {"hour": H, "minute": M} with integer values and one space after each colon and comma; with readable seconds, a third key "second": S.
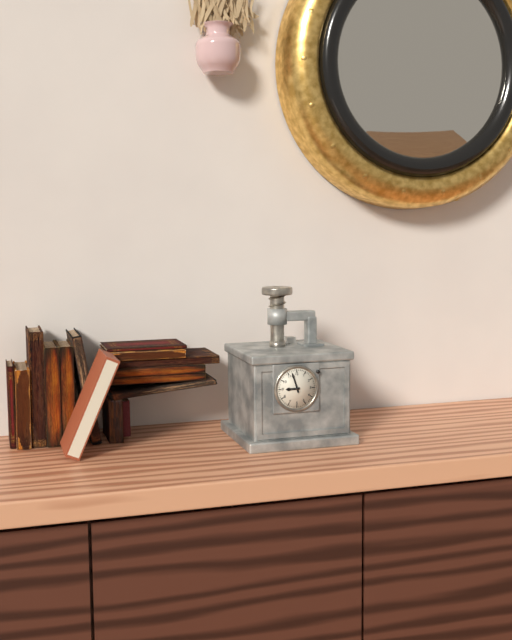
{"hour": 8, "minute": 57}
